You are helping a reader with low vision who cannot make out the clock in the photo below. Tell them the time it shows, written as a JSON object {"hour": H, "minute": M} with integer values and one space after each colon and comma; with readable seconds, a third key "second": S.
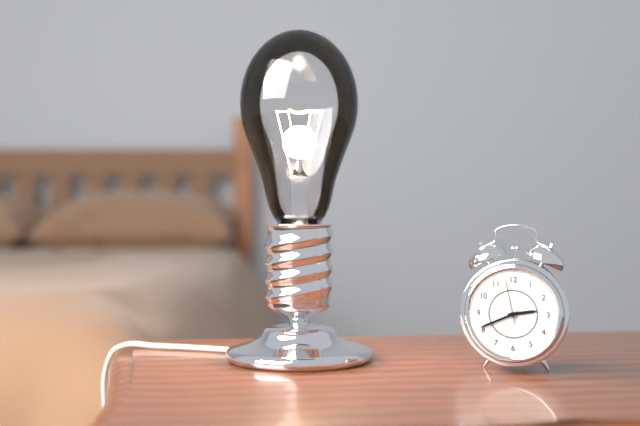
{"hour": 2, "minute": 41}
